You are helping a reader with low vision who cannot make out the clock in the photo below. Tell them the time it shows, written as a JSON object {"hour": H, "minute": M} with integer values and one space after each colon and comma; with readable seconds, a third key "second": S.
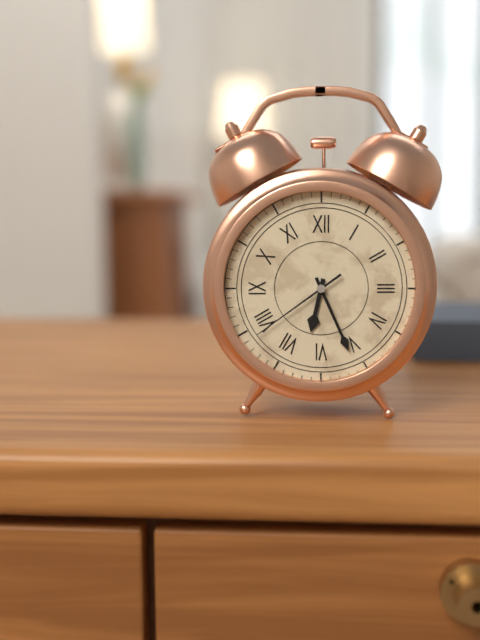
{"hour": 6, "minute": 26, "second": 39}
